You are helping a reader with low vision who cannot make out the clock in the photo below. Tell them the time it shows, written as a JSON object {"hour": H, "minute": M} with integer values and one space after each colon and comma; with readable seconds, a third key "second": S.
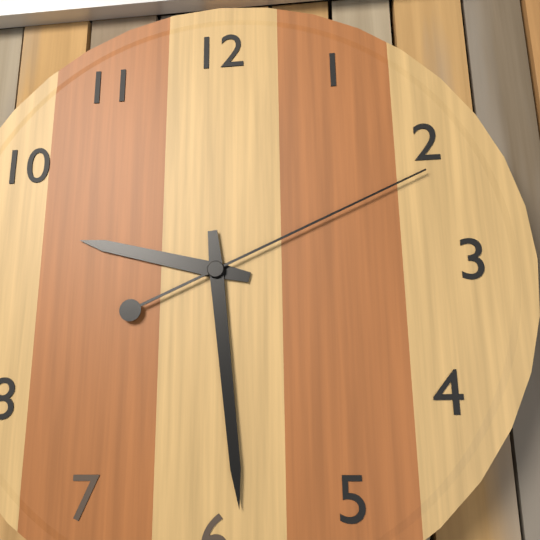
{"hour": 9, "minute": 29, "second": 11}
